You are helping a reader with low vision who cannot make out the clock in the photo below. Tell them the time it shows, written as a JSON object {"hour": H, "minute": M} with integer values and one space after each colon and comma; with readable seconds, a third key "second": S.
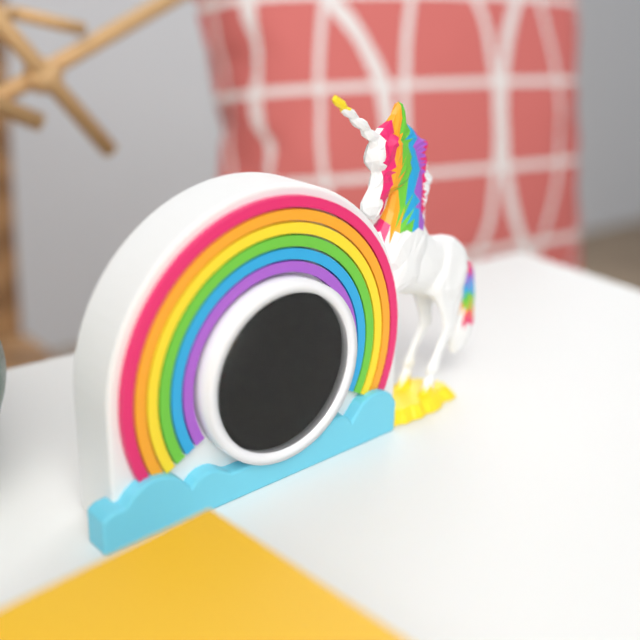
{"hour": 10, "minute": 59}
